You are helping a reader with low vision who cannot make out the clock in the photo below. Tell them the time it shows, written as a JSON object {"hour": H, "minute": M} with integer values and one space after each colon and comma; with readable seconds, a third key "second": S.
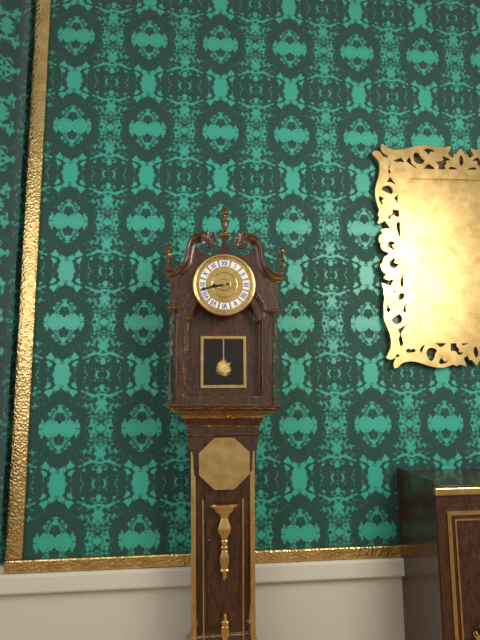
{"hour": 8, "minute": 43}
